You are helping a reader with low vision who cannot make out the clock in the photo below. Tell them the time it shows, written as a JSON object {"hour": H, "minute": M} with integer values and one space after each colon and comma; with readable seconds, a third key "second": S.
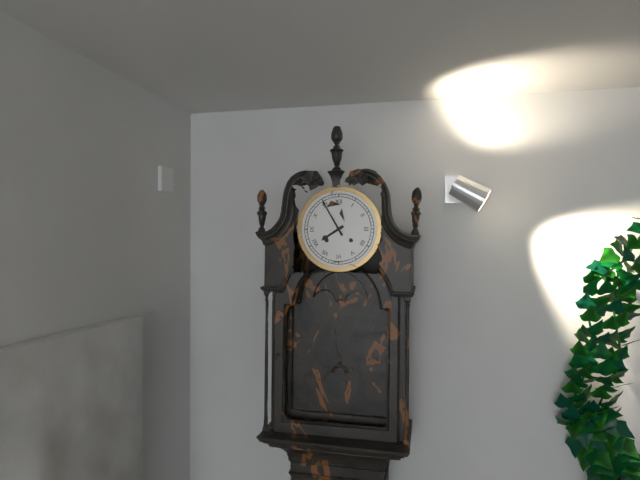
{"hour": 7, "minute": 55}
